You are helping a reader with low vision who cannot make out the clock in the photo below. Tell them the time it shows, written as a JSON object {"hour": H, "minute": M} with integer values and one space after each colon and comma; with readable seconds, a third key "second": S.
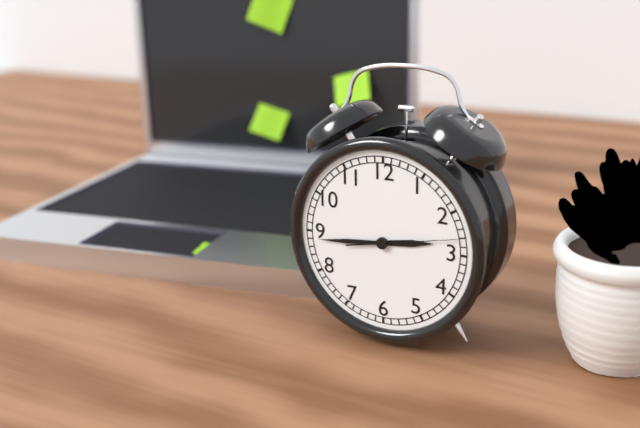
{"hour": 2, "minute": 44, "second": 13}
